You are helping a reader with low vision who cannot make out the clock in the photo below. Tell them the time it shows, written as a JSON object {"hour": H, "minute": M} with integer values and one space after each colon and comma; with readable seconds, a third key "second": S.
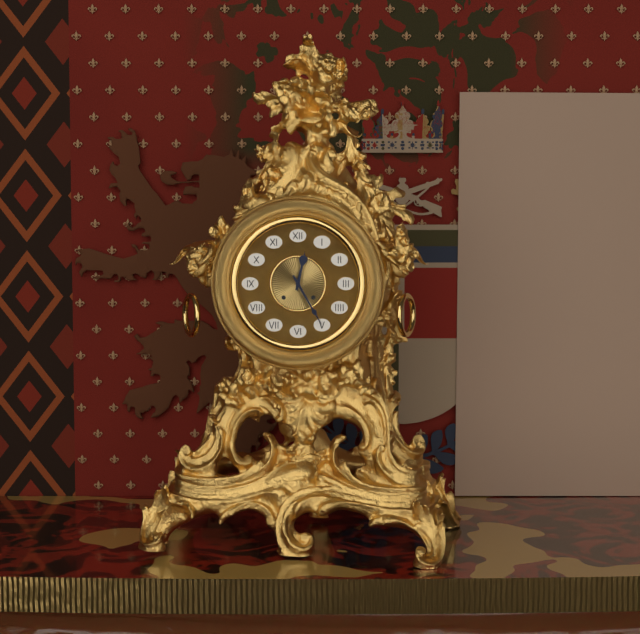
{"hour": 12, "minute": 25}
